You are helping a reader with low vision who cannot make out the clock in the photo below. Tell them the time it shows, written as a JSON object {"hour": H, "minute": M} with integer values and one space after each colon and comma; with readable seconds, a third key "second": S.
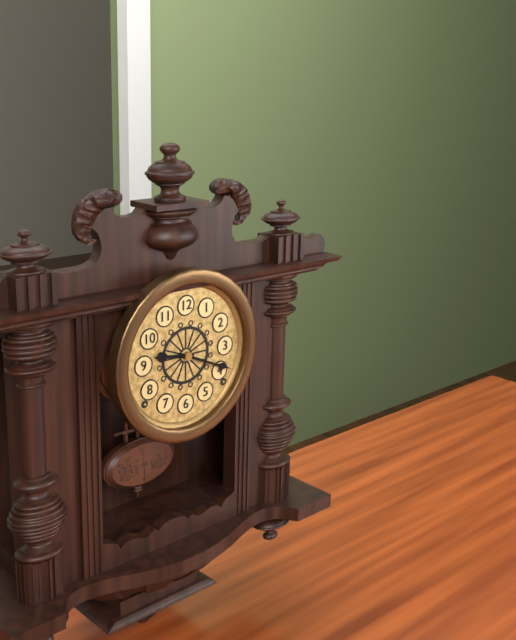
{"hour": 9, "minute": 19}
